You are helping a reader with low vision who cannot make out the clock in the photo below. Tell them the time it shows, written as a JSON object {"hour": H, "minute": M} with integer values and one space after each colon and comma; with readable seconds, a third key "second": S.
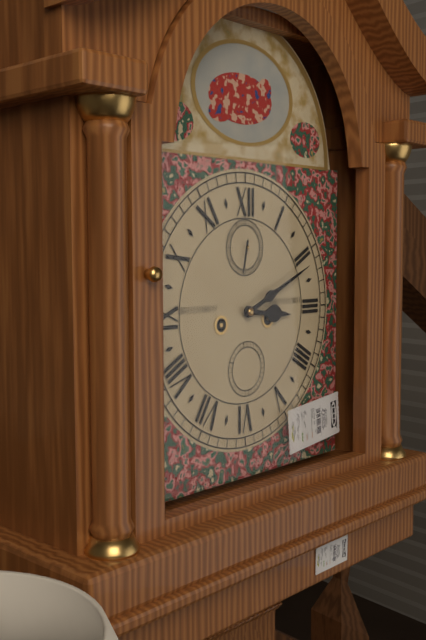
{"hour": 3, "minute": 11}
